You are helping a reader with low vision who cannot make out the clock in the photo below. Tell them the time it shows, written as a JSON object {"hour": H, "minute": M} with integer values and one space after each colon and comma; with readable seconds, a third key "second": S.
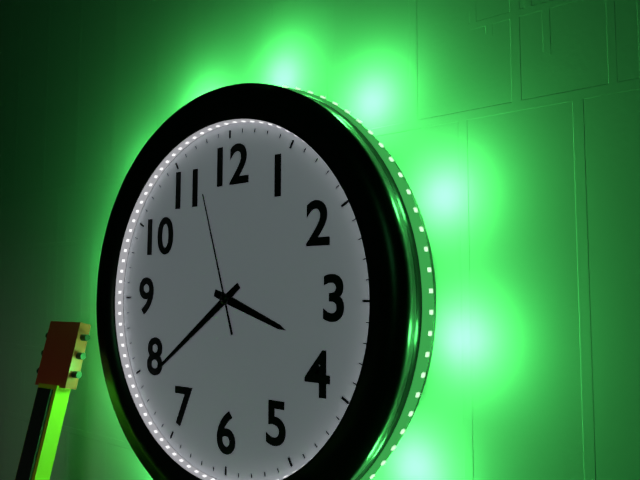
{"hour": 3, "minute": 39, "second": 57}
